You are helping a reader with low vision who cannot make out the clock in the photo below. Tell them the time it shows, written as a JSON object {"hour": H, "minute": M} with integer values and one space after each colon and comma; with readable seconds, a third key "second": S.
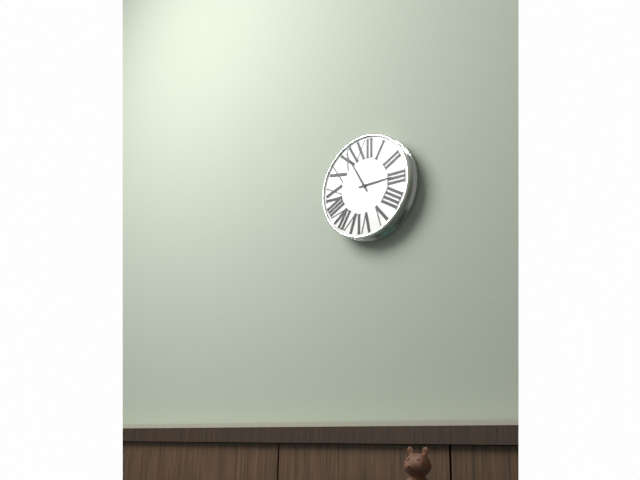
{"hour": 2, "minute": 55}
